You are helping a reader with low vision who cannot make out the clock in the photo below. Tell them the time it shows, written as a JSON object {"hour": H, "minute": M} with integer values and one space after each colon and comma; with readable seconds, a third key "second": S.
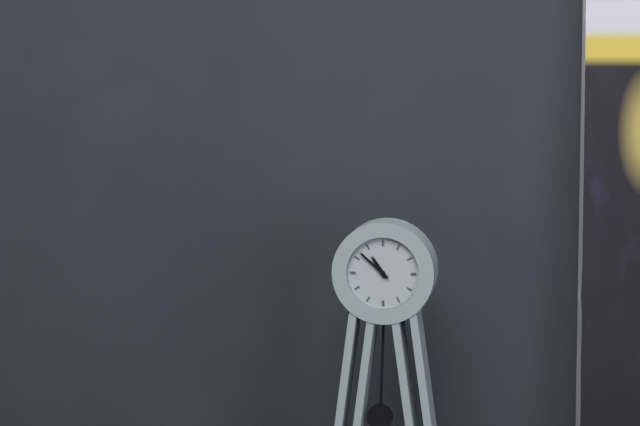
{"hour": 10, "minute": 52}
